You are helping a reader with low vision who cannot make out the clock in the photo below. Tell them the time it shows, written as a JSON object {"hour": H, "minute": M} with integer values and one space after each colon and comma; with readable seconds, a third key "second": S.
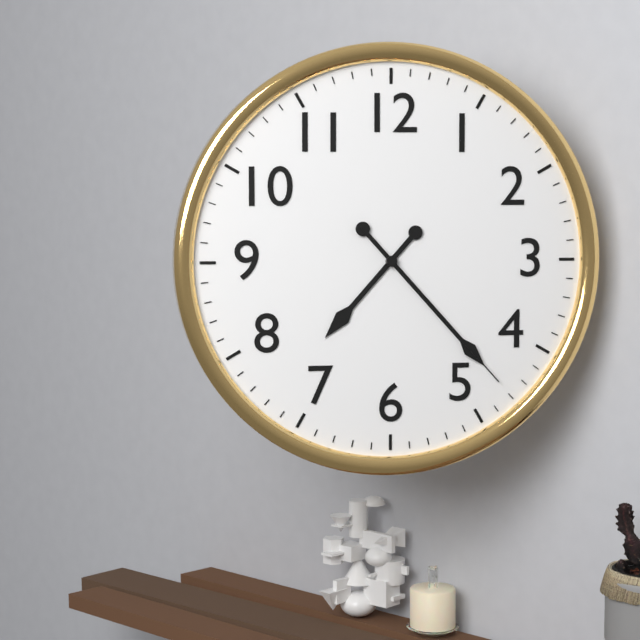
{"hour": 7, "minute": 23, "second": 23}
